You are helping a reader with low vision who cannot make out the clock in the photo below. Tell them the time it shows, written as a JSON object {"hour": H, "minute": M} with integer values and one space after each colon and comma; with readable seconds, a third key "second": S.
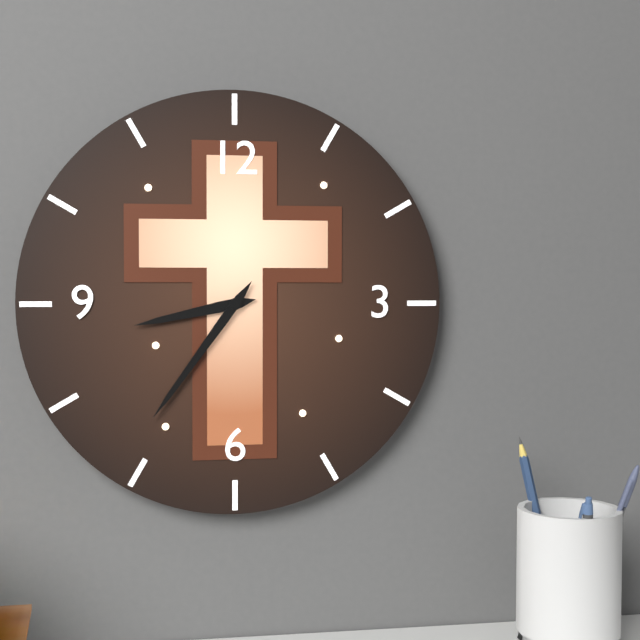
{"hour": 8, "minute": 36}
